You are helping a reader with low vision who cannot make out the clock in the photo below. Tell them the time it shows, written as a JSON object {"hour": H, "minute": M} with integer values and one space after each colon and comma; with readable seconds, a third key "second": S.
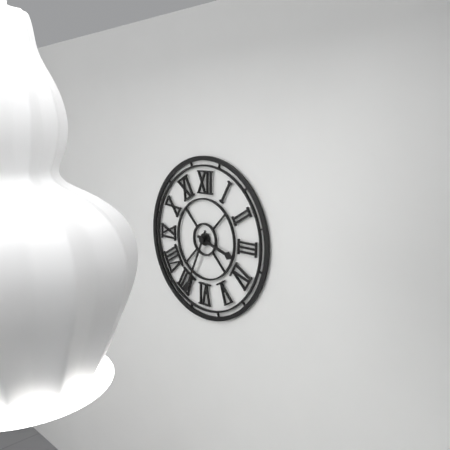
{"hour": 3, "minute": 34}
